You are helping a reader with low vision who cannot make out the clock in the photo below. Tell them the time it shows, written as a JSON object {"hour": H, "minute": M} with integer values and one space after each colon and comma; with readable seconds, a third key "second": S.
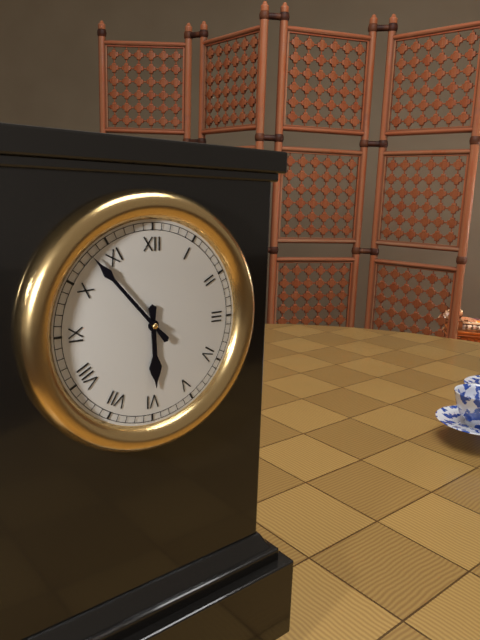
{"hour": 5, "minute": 53}
